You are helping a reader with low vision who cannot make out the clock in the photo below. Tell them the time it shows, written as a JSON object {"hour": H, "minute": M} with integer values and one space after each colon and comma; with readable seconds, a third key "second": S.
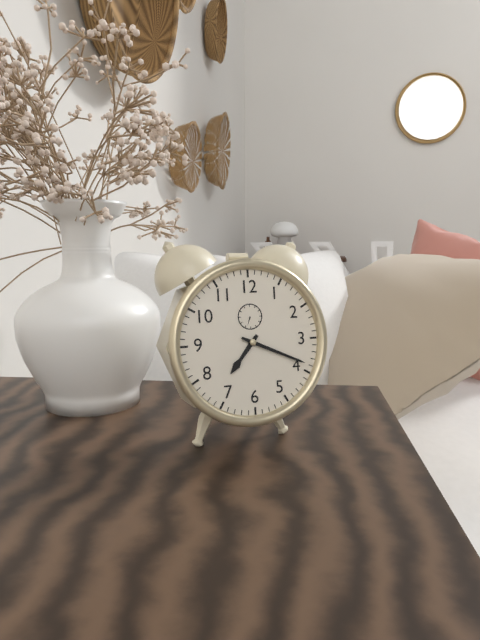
{"hour": 7, "minute": 19}
